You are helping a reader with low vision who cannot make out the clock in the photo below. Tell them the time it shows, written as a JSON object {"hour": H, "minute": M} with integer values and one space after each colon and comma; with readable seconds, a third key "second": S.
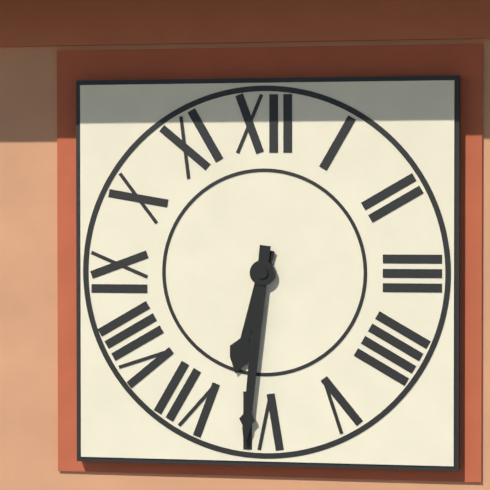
{"hour": 6, "minute": 31}
